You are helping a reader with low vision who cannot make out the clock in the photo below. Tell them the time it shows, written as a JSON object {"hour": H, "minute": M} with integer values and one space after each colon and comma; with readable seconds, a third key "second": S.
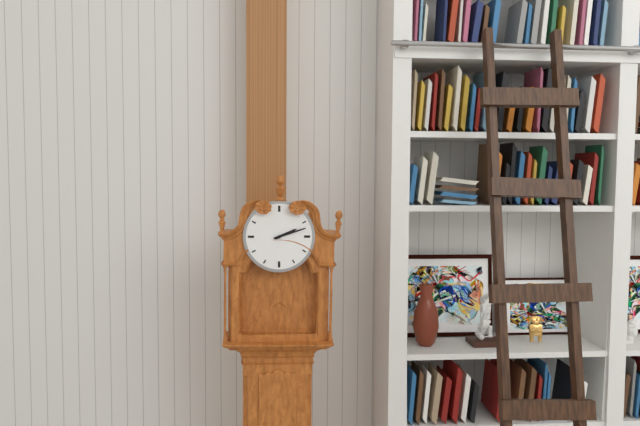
{"hour": 2, "minute": 12}
